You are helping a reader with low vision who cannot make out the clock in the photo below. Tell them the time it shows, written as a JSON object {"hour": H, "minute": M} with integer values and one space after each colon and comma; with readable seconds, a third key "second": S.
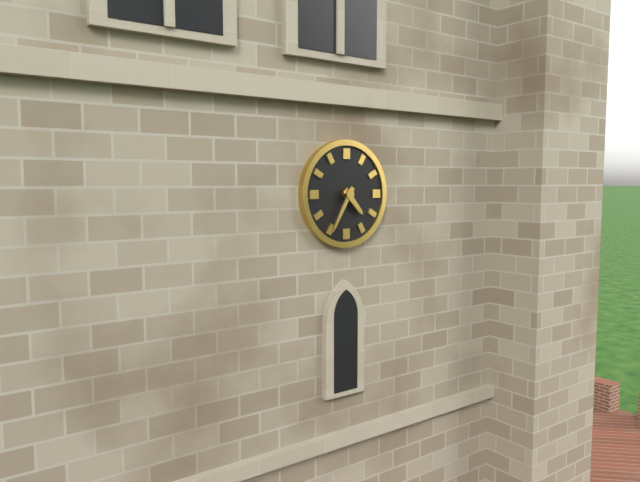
{"hour": 4, "minute": 35}
